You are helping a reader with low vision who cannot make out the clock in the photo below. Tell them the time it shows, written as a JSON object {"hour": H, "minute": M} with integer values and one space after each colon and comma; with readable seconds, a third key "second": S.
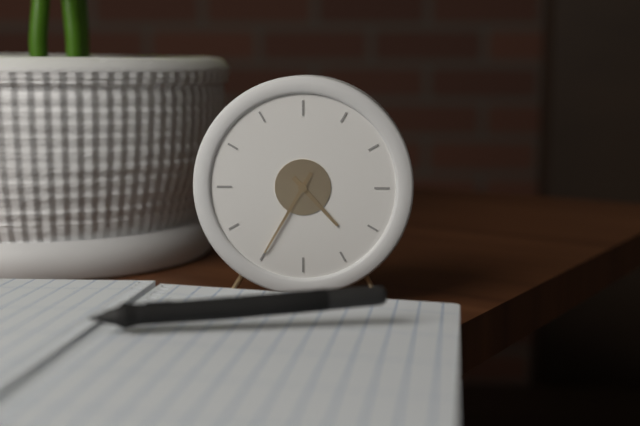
{"hour": 4, "minute": 35}
